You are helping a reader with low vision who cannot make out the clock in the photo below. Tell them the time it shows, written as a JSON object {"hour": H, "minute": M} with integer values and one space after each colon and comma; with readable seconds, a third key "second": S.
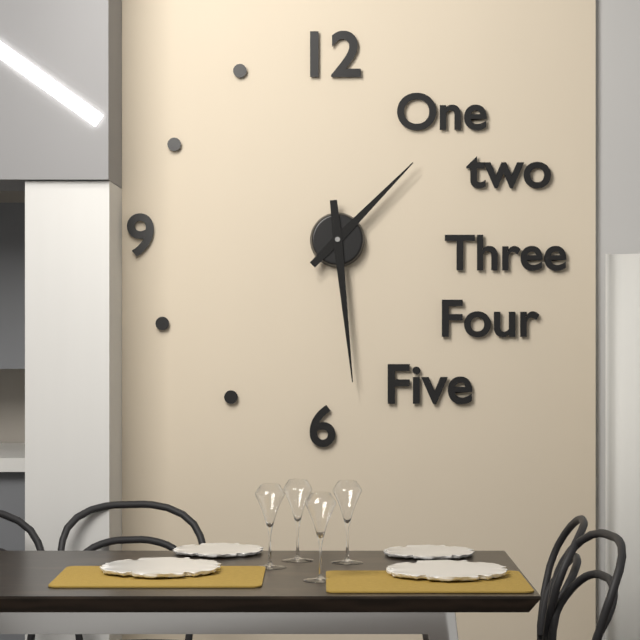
{"hour": 1, "minute": 29}
